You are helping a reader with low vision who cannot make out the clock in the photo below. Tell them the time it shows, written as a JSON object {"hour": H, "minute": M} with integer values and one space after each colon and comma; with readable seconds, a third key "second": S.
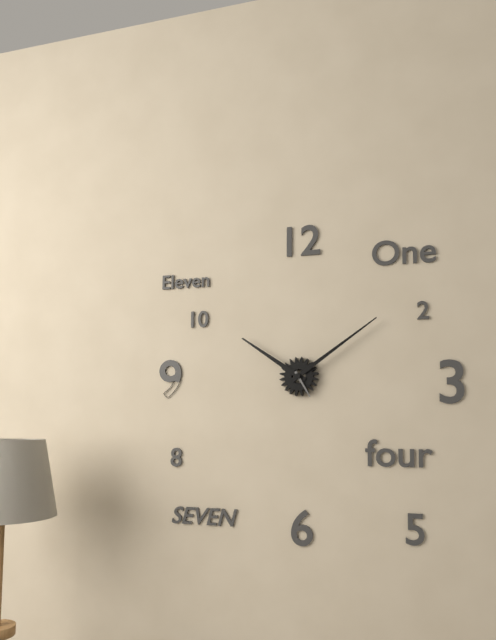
{"hour": 10, "minute": 9}
